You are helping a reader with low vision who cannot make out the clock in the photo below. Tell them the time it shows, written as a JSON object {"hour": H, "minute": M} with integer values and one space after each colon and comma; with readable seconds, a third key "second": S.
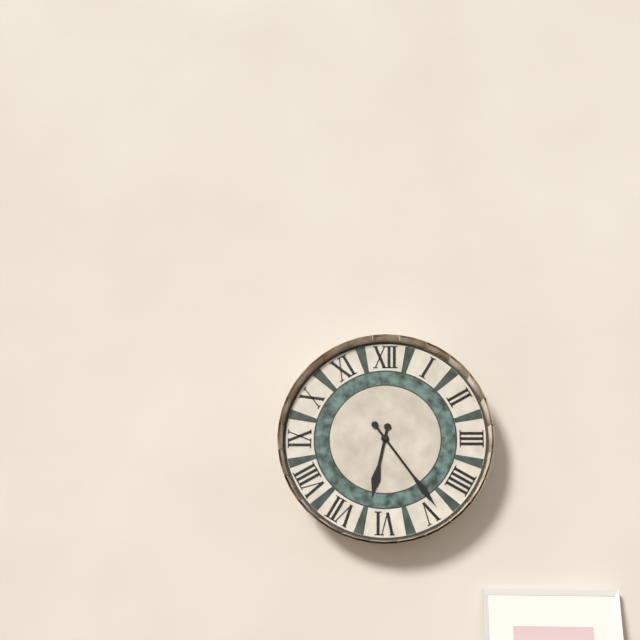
{"hour": 6, "minute": 24}
